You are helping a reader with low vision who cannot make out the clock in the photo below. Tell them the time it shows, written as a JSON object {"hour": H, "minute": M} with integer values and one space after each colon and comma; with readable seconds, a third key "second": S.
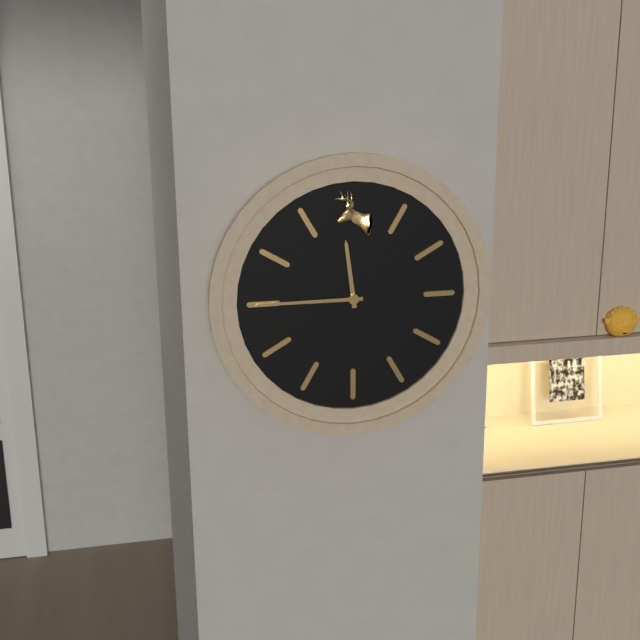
{"hour": 11, "minute": 45}
